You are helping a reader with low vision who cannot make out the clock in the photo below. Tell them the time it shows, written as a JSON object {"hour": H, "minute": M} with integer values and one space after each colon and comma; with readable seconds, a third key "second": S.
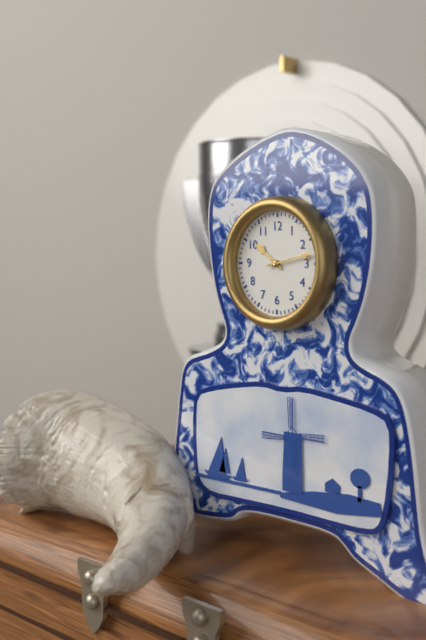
{"hour": 10, "minute": 13}
